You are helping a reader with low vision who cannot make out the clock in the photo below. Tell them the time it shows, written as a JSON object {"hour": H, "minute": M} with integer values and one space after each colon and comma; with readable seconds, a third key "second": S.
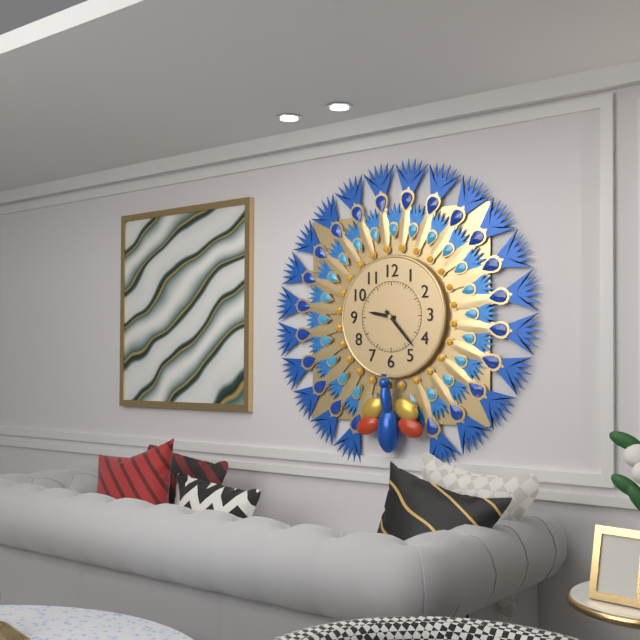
{"hour": 9, "minute": 23}
